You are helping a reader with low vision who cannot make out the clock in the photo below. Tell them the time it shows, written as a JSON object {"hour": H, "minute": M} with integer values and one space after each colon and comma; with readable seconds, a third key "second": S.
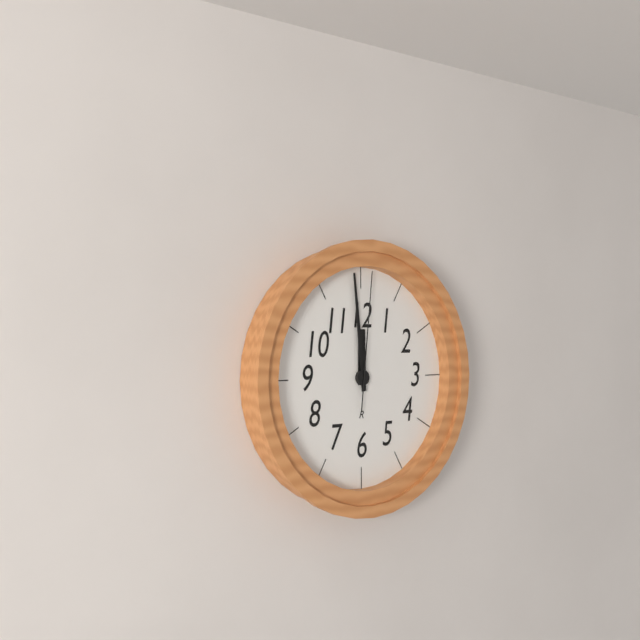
{"hour": 11, "minute": 59, "second": 1}
